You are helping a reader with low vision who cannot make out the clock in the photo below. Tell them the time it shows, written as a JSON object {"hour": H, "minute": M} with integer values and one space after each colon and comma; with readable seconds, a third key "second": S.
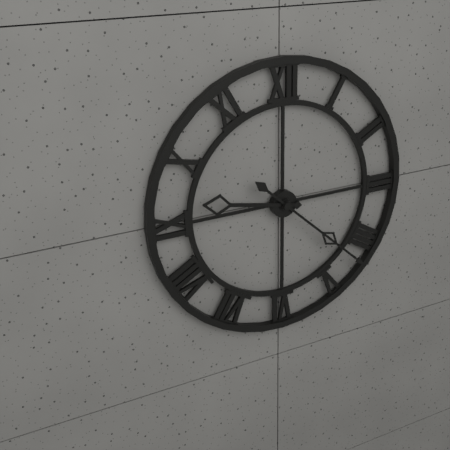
{"hour": 9, "minute": 22}
